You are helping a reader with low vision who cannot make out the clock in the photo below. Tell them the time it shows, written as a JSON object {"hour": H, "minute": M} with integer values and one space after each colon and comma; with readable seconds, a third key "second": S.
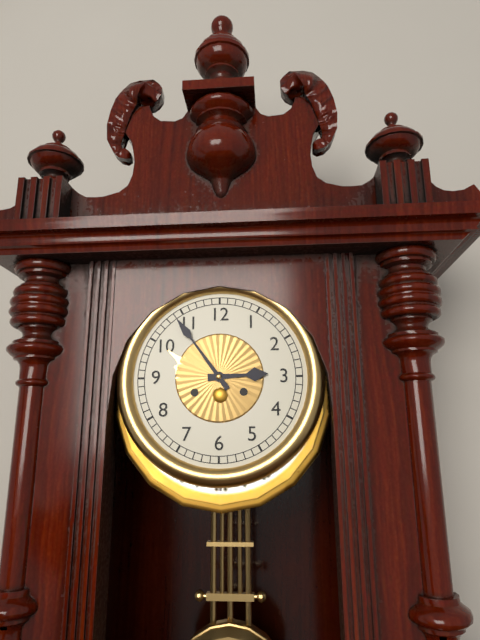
{"hour": 2, "minute": 54}
